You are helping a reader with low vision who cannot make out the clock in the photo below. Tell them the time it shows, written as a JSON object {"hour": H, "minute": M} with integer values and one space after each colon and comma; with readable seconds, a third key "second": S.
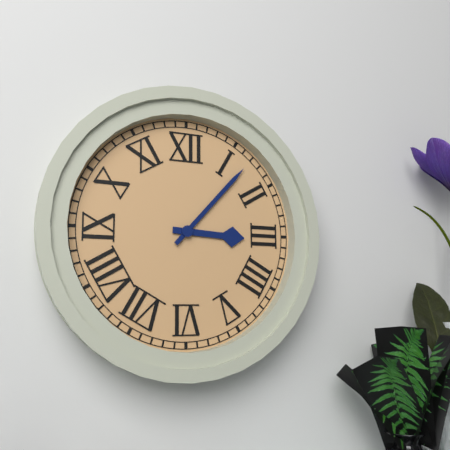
{"hour": 3, "minute": 7}
